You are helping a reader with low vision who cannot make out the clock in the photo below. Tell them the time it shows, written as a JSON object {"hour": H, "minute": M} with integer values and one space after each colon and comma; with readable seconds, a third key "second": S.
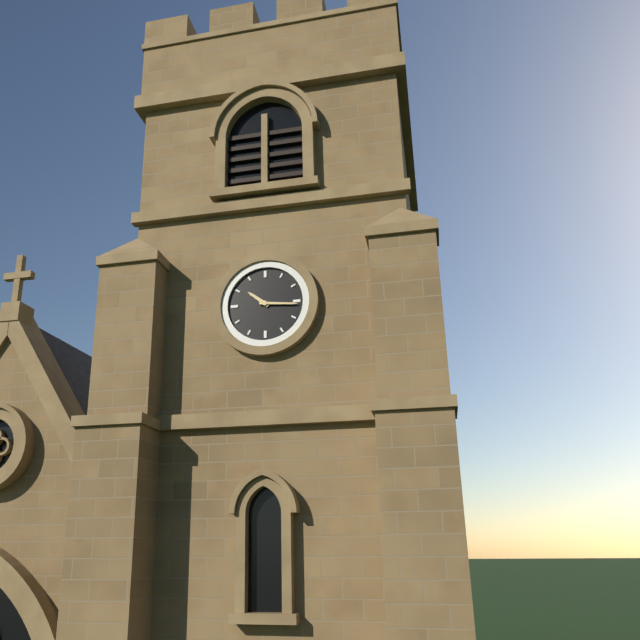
{"hour": 10, "minute": 16}
